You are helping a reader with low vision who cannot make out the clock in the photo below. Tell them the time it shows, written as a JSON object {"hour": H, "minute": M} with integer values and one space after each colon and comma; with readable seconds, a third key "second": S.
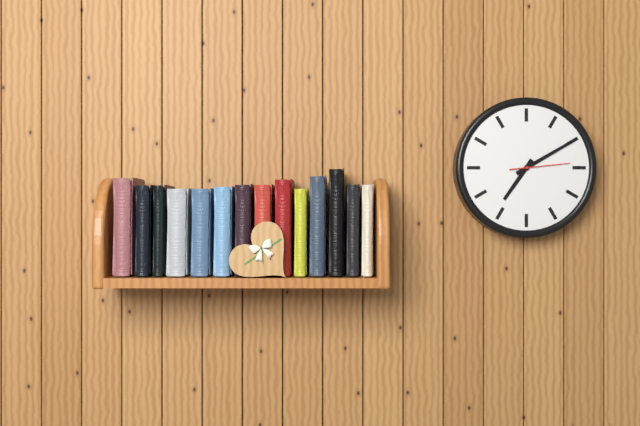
{"hour": 7, "minute": 10, "second": 14}
